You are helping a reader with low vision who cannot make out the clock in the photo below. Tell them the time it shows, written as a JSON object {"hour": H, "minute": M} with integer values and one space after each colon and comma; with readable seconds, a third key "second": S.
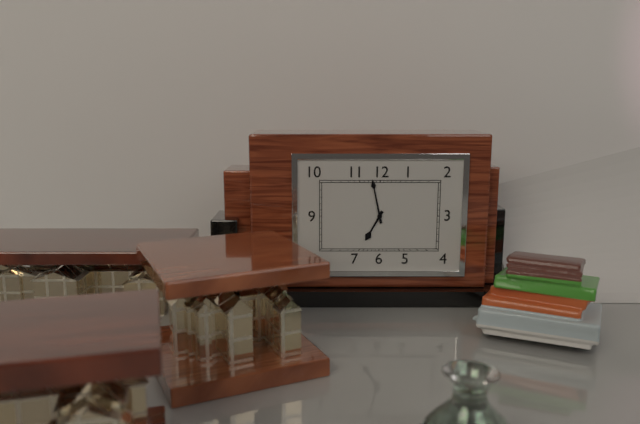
{"hour": 6, "minute": 58}
